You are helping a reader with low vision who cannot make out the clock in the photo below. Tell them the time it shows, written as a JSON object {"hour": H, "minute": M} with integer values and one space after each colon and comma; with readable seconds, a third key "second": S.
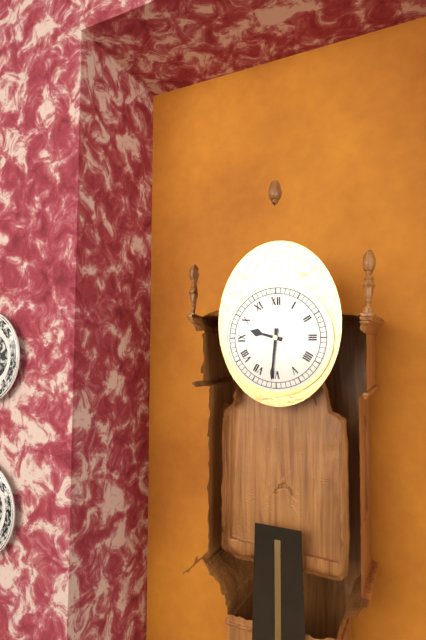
{"hour": 9, "minute": 31}
